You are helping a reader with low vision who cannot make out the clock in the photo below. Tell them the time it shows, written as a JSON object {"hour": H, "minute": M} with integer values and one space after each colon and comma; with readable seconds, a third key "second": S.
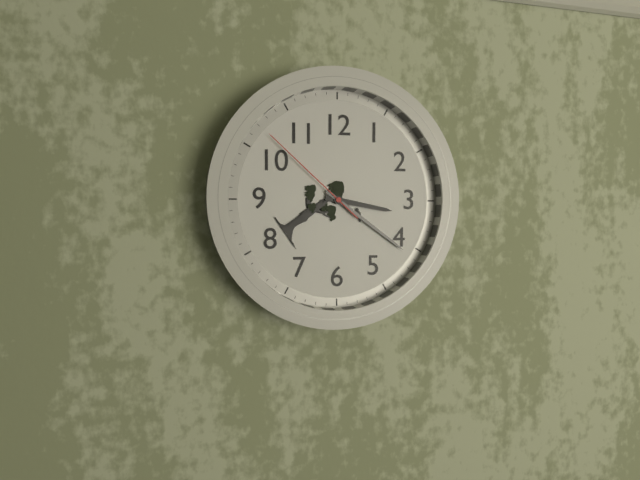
{"hour": 3, "minute": 21, "second": 52}
